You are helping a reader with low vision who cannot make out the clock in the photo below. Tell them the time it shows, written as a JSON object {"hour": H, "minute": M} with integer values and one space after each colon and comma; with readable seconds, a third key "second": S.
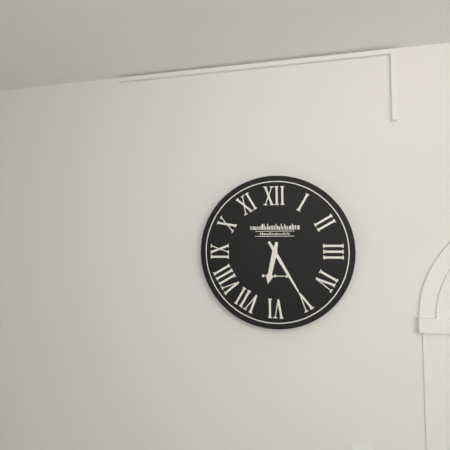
{"hour": 6, "minute": 25}
